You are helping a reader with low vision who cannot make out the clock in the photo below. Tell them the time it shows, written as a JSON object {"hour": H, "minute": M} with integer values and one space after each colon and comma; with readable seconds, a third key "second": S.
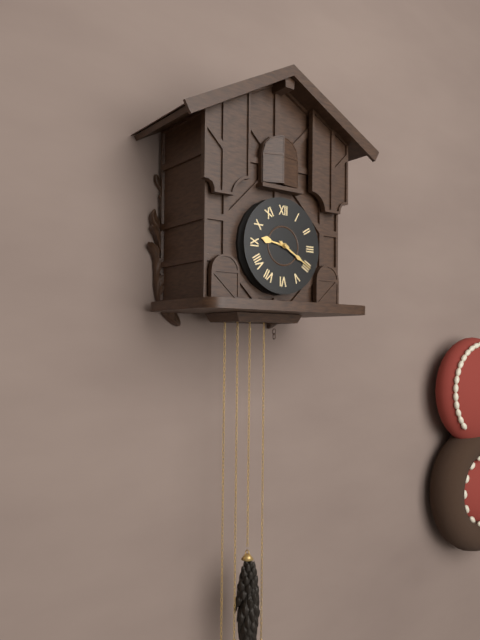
{"hour": 9, "minute": 20}
